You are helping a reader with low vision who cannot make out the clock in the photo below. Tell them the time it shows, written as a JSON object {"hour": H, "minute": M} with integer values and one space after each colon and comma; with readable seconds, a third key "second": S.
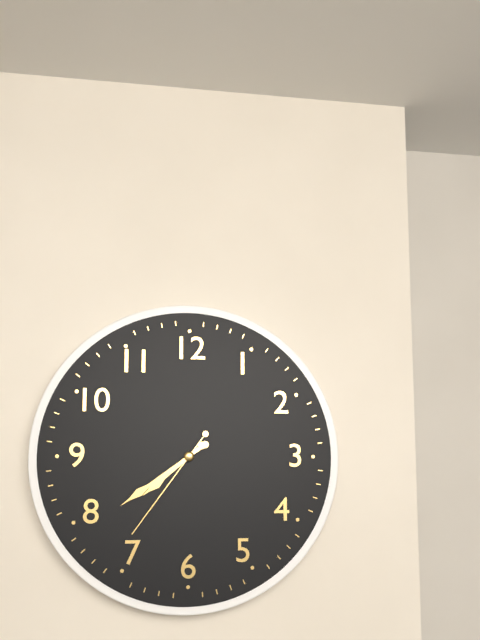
{"hour": 7, "minute": 39, "second": 36}
